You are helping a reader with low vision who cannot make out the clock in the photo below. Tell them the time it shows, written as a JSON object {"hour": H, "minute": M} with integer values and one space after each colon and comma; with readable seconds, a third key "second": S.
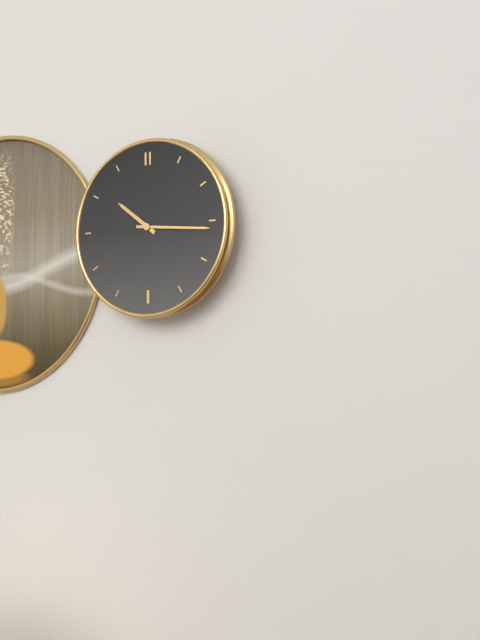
{"hour": 10, "minute": 16}
